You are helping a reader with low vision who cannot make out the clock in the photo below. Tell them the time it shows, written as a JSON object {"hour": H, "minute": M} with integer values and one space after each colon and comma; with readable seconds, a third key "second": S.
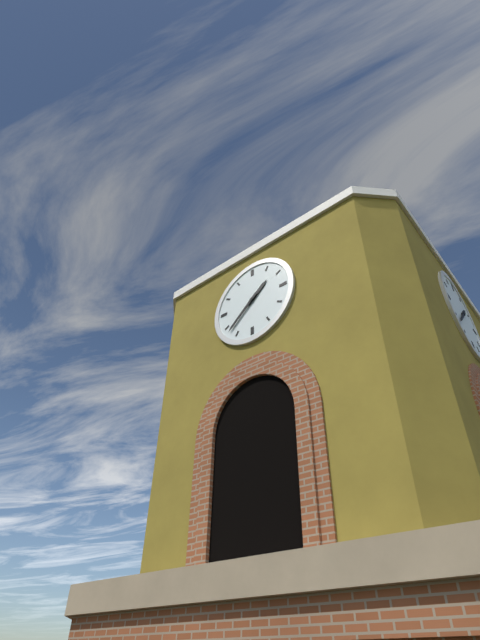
{"hour": 1, "minute": 38}
